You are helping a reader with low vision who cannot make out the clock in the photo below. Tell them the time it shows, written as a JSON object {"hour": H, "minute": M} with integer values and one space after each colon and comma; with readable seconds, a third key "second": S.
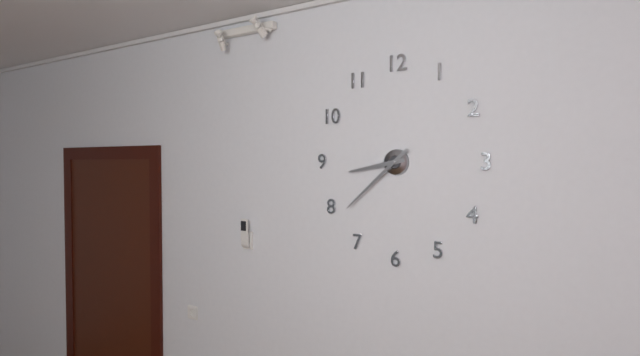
{"hour": 8, "minute": 38}
